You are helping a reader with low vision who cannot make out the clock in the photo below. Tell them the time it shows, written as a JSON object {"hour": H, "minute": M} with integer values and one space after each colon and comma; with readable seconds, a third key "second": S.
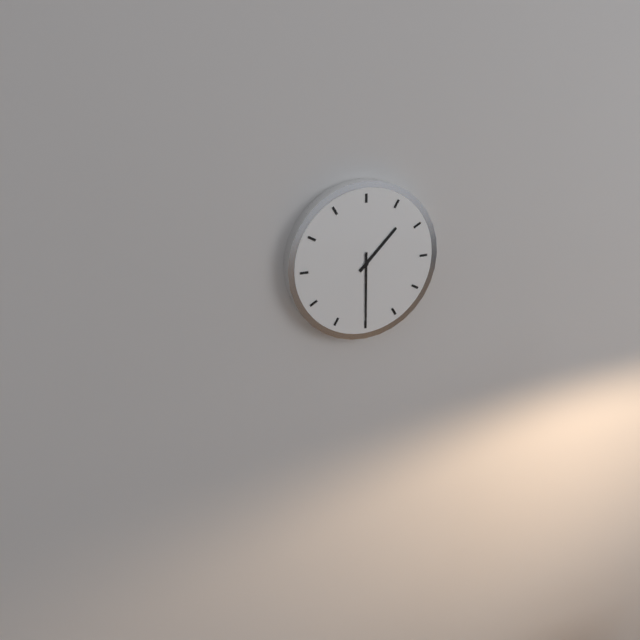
{"hour": 1, "minute": 30}
